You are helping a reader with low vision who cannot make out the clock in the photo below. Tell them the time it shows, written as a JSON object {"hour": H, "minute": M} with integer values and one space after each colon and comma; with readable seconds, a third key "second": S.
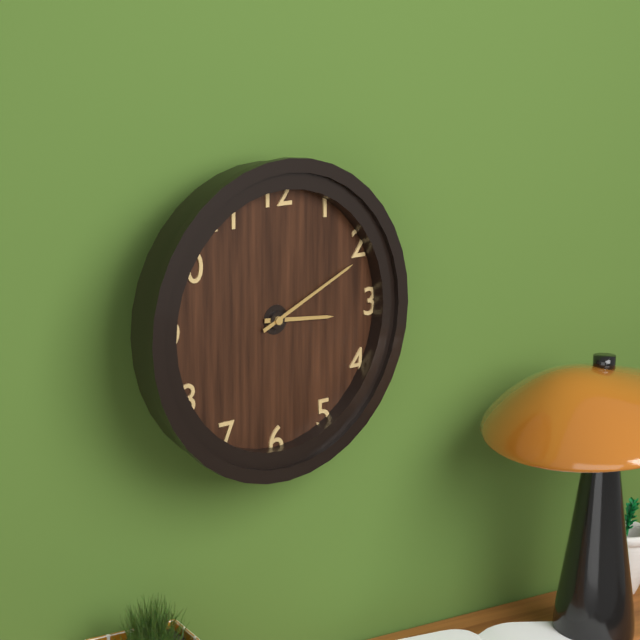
{"hour": 3, "minute": 11}
